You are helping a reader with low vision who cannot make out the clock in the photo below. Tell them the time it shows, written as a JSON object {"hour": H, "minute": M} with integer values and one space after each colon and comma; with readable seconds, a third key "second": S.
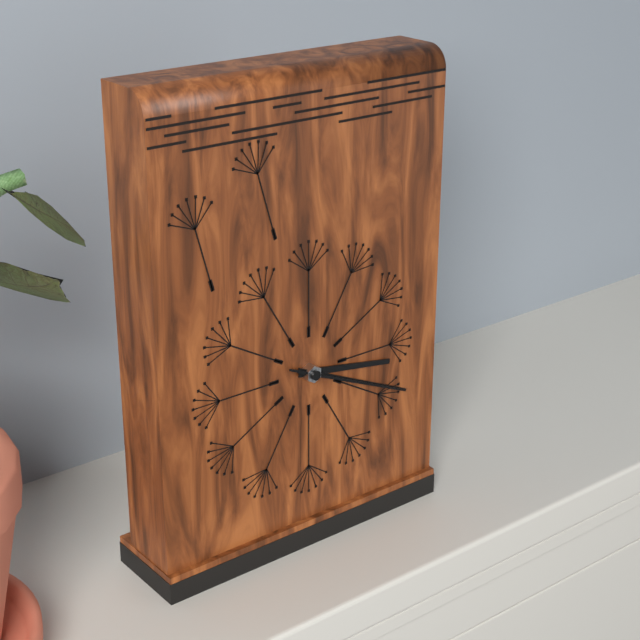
{"hour": 3, "minute": 19, "second": 19}
